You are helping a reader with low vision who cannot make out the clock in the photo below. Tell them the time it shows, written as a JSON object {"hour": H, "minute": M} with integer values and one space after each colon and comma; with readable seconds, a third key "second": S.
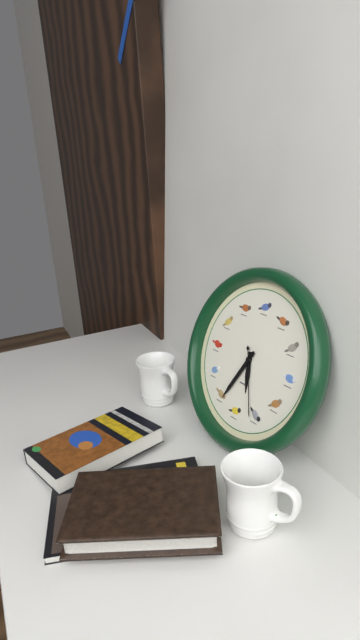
{"hour": 5, "minute": 34, "second": 26}
